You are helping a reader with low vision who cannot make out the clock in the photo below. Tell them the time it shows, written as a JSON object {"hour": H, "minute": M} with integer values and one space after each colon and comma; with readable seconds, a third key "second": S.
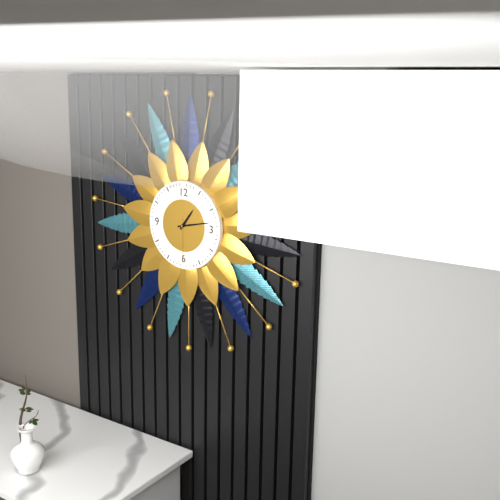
{"hour": 1, "minute": 13}
